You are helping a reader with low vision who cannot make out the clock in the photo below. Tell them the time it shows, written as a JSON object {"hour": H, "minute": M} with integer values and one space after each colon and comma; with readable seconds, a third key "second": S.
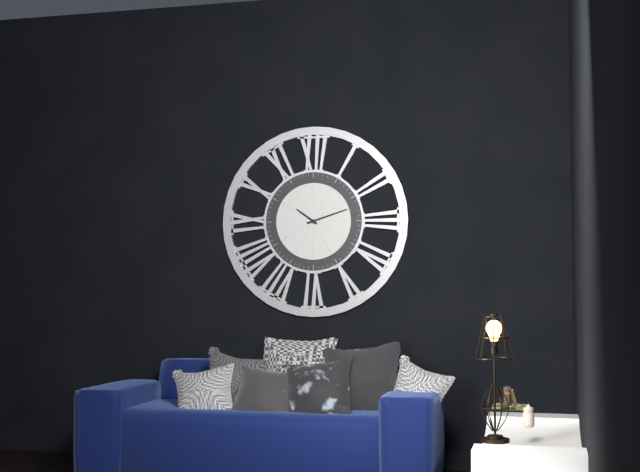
{"hour": 10, "minute": 12}
